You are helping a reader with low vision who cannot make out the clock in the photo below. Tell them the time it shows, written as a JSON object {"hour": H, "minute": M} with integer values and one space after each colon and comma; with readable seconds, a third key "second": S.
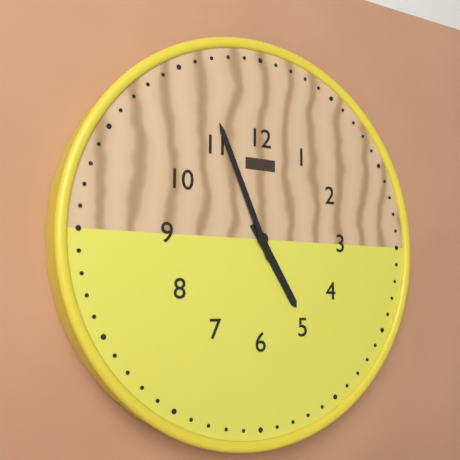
{"hour": 4, "minute": 56}
